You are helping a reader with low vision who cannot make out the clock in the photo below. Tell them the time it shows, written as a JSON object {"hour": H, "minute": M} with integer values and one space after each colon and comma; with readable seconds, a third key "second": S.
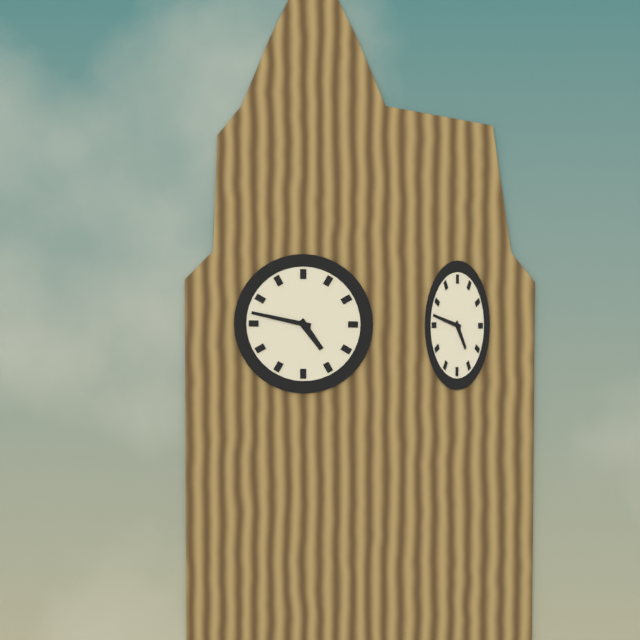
{"hour": 4, "minute": 47}
